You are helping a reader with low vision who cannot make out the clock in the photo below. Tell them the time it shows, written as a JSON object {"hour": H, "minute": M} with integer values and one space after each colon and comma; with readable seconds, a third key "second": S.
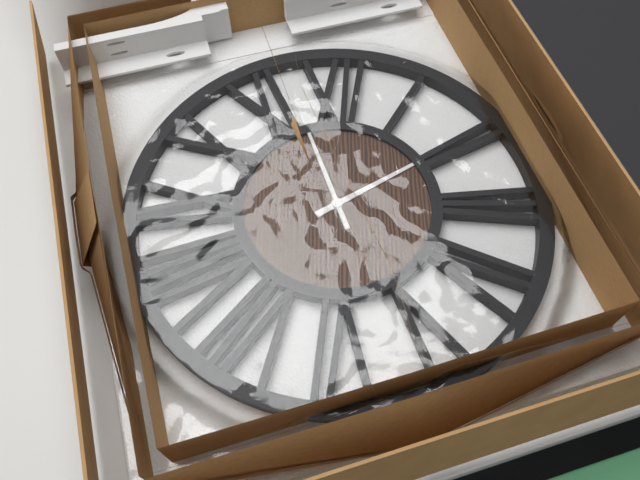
{"hour": 1, "minute": 57}
